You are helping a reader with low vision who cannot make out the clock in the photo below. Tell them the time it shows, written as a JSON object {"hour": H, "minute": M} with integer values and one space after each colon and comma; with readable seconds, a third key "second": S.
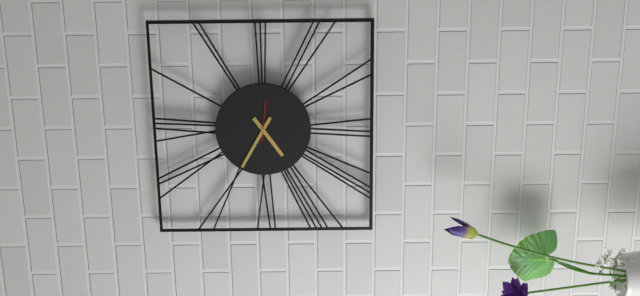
{"hour": 7, "minute": 50}
